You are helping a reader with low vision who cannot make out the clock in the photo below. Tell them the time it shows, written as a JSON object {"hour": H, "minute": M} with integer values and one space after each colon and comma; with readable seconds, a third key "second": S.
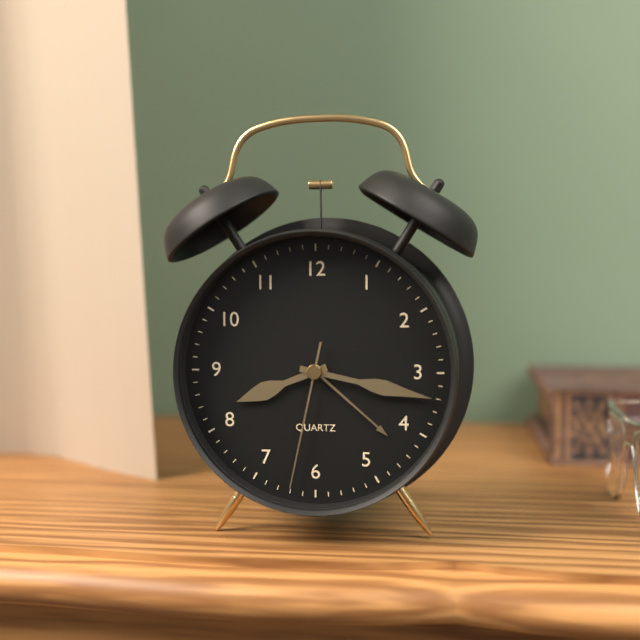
{"hour": 8, "minute": 17, "second": 32}
